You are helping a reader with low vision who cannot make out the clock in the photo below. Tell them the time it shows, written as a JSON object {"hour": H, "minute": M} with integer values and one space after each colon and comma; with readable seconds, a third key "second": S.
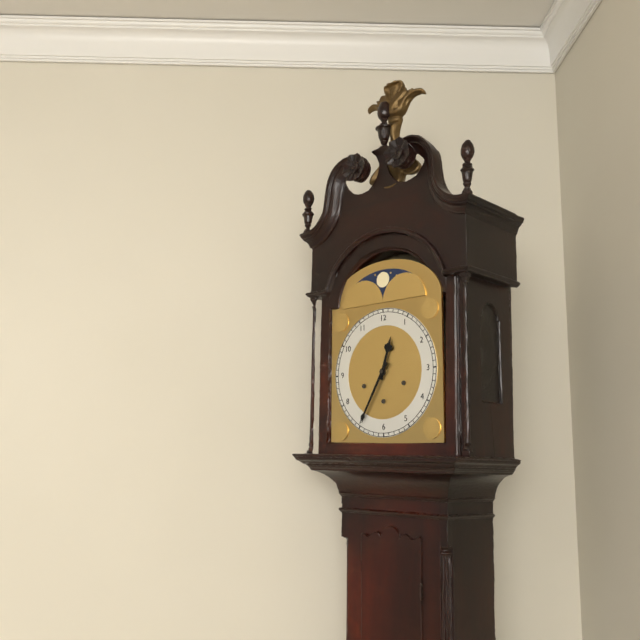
{"hour": 12, "minute": 35}
